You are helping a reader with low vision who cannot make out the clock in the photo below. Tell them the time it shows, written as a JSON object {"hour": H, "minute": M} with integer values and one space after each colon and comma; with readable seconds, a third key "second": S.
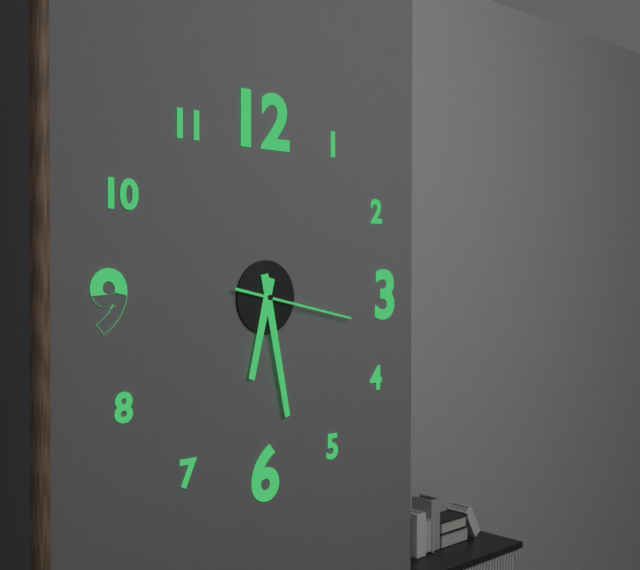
{"hour": 6, "minute": 28, "second": 17}
